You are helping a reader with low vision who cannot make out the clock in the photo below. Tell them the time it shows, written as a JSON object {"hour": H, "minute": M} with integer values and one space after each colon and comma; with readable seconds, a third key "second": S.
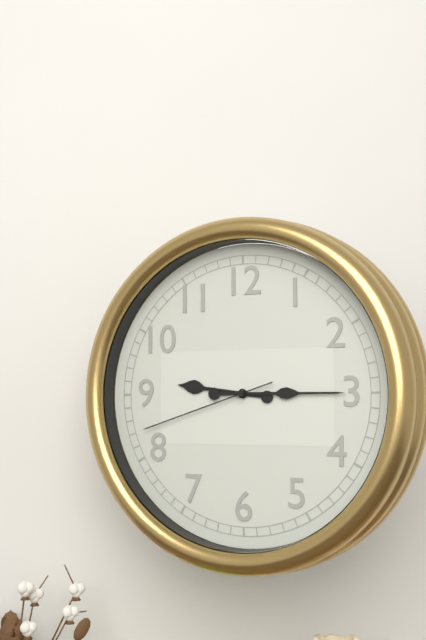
{"hour": 9, "minute": 15, "second": 42}
